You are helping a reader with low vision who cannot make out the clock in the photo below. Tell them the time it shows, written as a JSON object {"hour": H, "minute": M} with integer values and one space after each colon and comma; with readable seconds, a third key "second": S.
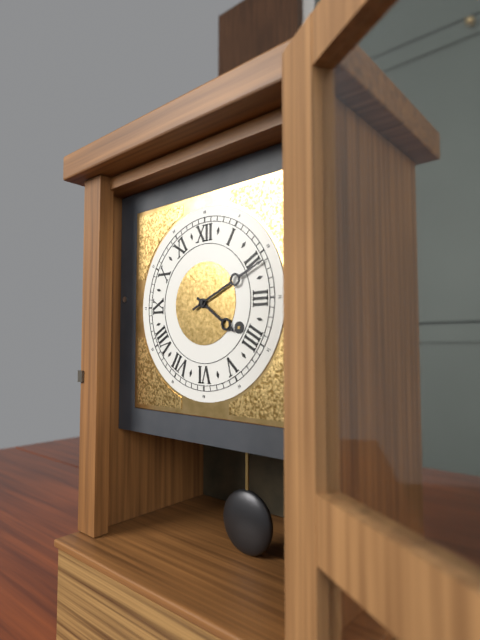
{"hour": 4, "minute": 11}
